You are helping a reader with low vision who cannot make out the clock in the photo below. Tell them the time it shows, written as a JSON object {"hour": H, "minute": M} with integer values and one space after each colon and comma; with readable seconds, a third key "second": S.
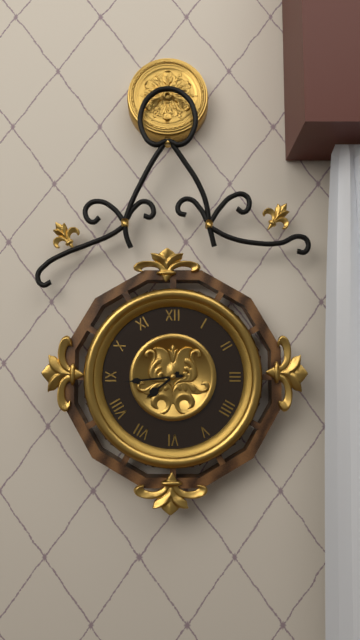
{"hour": 7, "minute": 44}
